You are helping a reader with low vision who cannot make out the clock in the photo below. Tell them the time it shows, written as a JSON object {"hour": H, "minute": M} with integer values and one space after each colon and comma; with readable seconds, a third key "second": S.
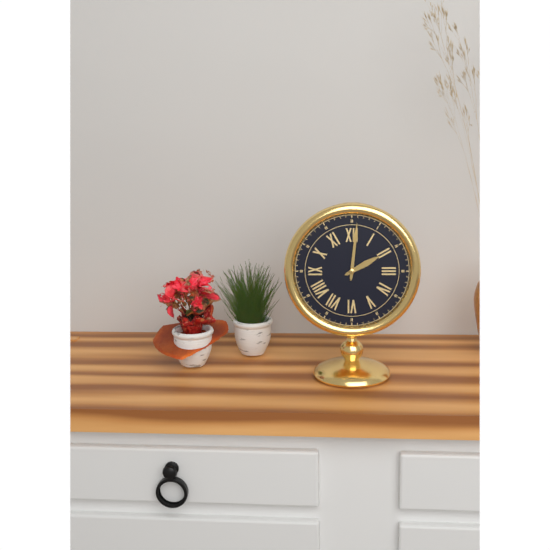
{"hour": 2, "minute": 1}
